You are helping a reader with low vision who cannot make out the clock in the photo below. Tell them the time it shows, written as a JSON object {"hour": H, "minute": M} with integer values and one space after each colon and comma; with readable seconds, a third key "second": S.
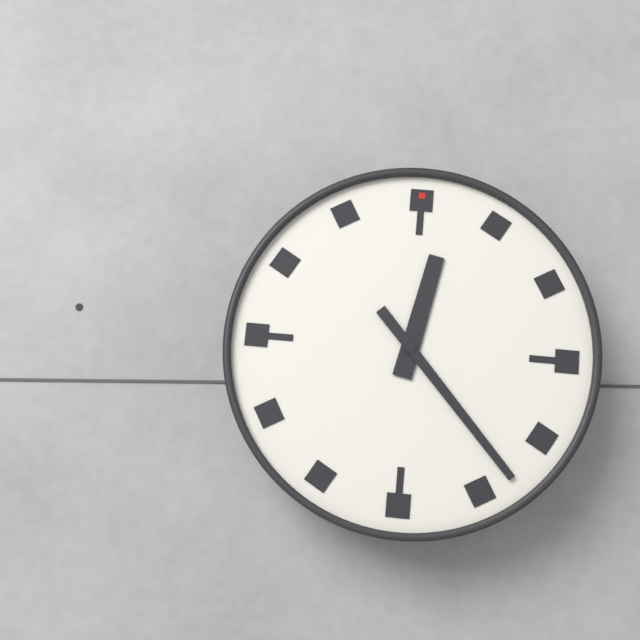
{"hour": 12, "minute": 23}
